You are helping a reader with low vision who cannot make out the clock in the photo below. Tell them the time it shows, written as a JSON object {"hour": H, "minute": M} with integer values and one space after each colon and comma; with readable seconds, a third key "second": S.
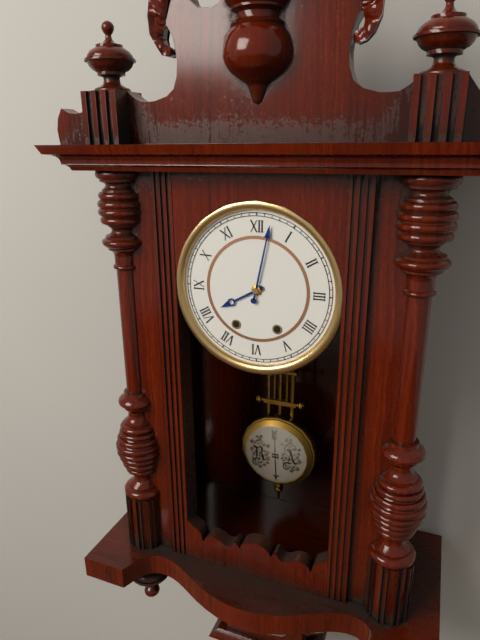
{"hour": 8, "minute": 2}
